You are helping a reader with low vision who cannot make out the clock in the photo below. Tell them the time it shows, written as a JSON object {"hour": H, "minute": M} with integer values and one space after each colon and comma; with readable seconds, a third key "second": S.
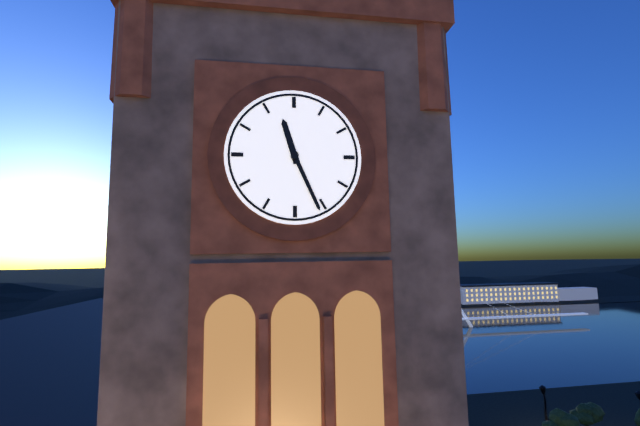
{"hour": 11, "minute": 26}
